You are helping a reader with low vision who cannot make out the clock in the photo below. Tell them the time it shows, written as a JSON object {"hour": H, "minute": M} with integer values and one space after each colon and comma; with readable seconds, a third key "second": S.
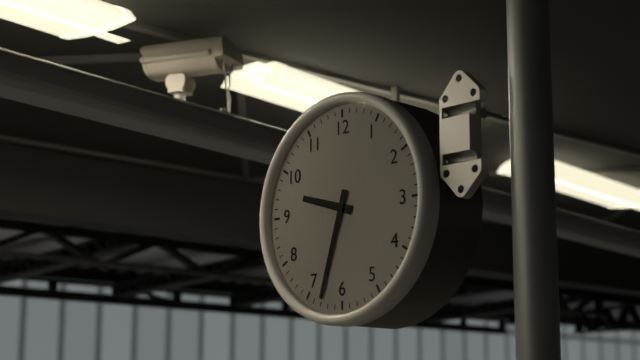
{"hour": 9, "minute": 33}
